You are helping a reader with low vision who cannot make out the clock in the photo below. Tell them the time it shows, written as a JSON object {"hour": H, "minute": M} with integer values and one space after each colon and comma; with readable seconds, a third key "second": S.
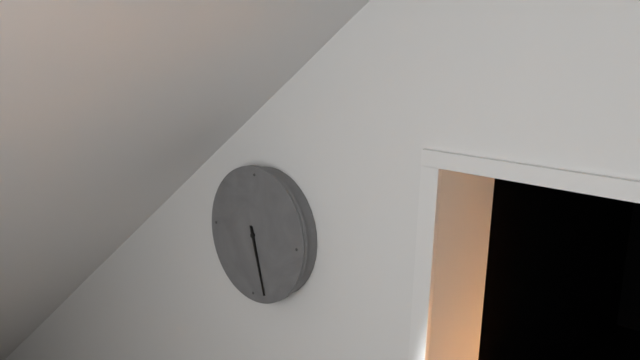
{"hour": 5, "minute": 27}
